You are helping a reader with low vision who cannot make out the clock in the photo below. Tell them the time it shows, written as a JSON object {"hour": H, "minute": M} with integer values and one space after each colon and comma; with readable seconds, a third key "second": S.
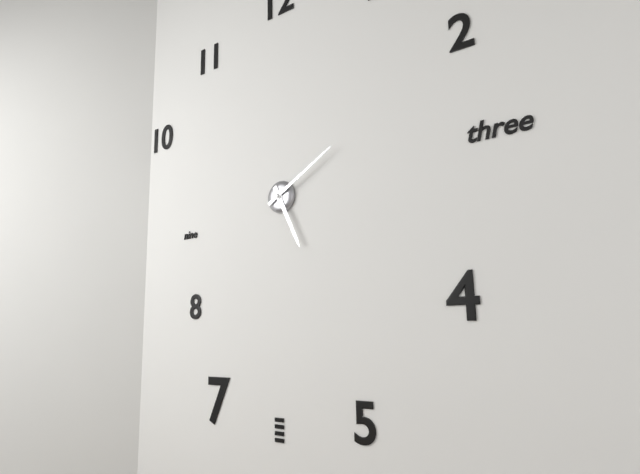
{"hour": 5, "minute": 10}
